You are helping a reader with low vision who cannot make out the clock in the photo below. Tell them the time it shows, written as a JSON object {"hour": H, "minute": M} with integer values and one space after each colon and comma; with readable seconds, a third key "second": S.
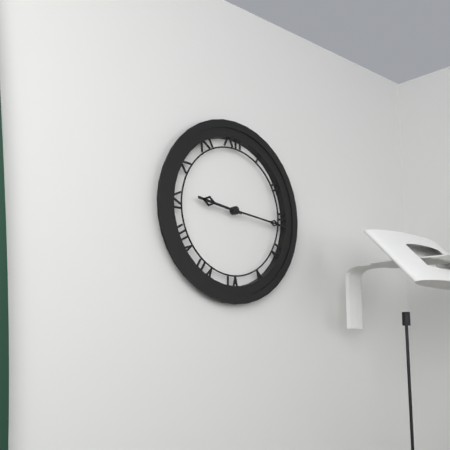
{"hour": 9, "minute": 16}
